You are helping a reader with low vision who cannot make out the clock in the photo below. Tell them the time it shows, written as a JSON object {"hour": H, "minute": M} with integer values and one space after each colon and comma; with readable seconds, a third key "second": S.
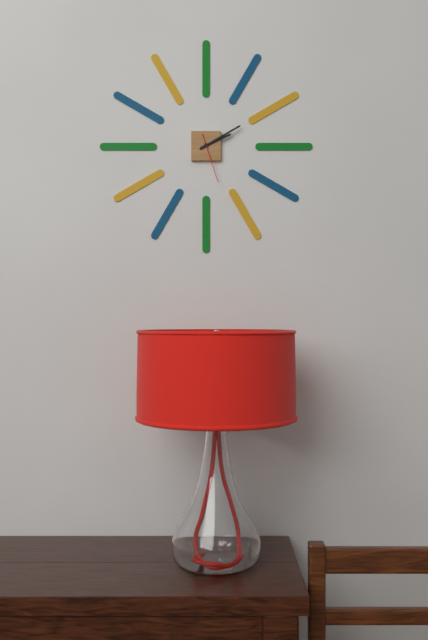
{"hour": 2, "minute": 10}
